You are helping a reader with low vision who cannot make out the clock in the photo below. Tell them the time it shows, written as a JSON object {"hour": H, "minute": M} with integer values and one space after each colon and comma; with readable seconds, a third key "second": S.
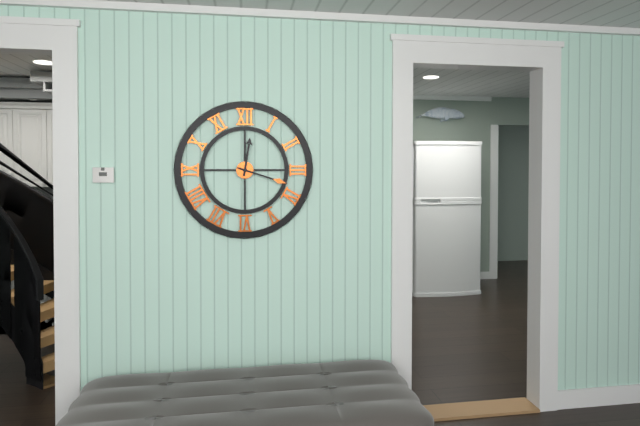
{"hour": 12, "minute": 18}
